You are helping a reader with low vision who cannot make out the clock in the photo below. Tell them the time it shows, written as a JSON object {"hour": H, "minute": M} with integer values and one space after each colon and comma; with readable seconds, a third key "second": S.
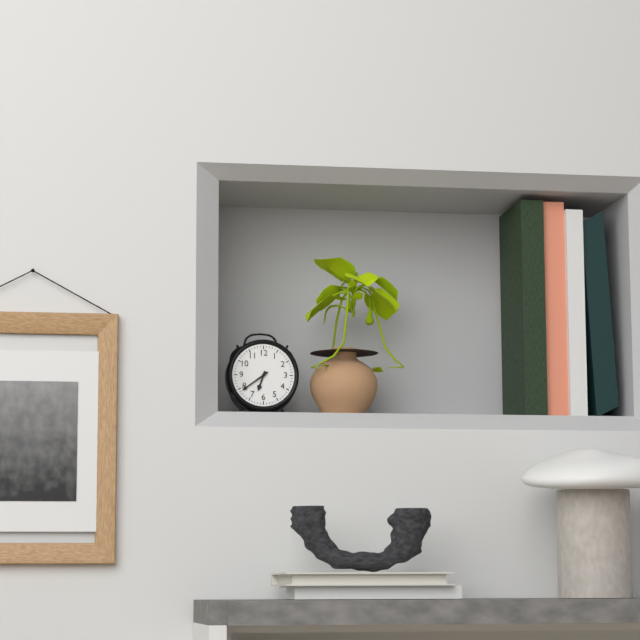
{"hour": 6, "minute": 39}
